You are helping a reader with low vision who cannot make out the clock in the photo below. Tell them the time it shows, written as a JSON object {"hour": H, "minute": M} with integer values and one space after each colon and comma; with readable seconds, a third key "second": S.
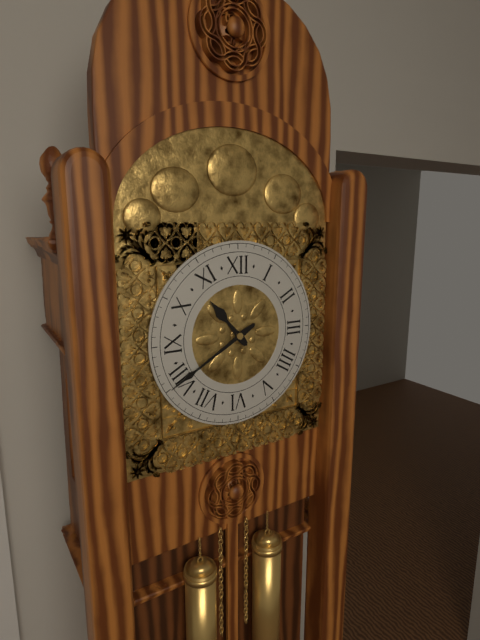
{"hour": 10, "minute": 40}
